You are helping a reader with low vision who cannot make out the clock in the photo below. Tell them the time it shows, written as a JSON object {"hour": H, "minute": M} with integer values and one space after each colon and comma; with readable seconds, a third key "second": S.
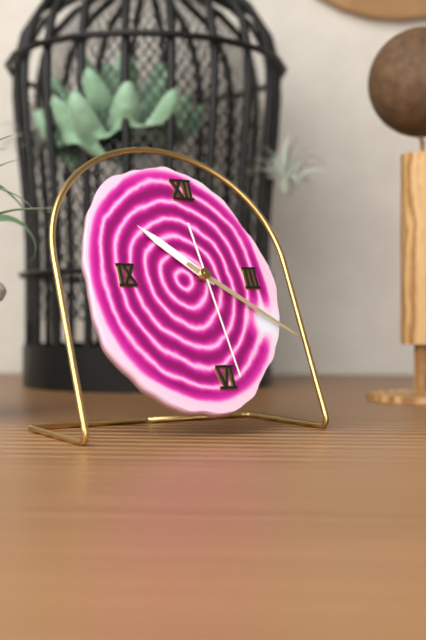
{"hour": 10, "minute": 21, "second": 29}
